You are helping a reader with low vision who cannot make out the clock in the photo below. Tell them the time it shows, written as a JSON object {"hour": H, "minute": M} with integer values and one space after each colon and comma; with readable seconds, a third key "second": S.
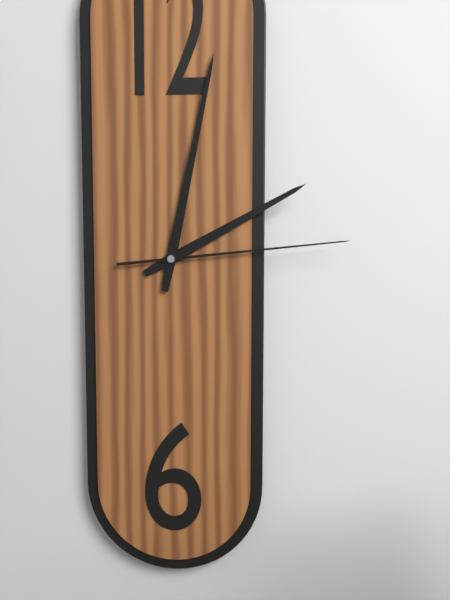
{"hour": 2, "minute": 2, "second": 14}
